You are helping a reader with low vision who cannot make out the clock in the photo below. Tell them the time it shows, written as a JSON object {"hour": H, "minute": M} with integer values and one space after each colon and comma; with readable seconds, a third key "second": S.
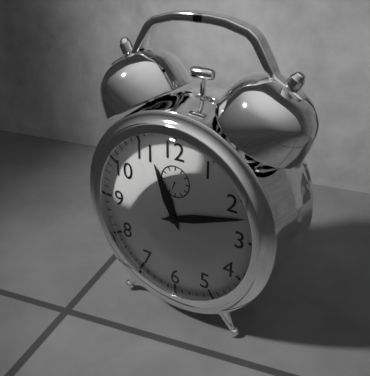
{"hour": 11, "minute": 12}
